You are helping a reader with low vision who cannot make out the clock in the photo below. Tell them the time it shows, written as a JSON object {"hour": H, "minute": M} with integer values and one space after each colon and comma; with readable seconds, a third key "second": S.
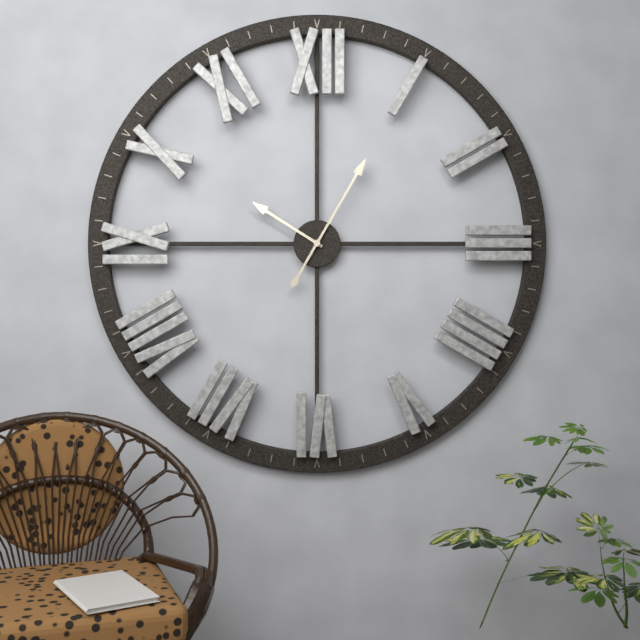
{"hour": 10, "minute": 5}
